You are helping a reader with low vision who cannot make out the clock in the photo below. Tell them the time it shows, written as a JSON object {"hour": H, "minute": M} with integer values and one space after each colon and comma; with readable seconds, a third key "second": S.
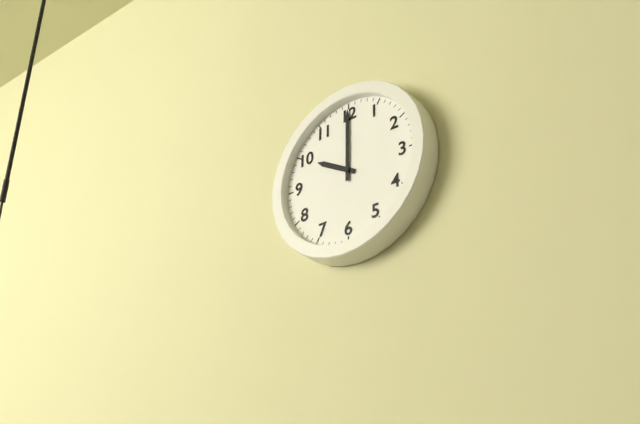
{"hour": 10, "minute": 0}
